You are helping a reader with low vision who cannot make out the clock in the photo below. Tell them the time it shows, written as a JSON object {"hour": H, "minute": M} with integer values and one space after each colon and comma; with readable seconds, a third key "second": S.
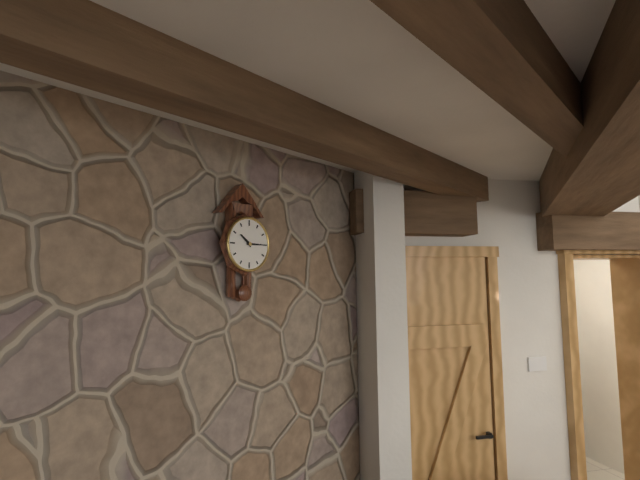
{"hour": 10, "minute": 15}
